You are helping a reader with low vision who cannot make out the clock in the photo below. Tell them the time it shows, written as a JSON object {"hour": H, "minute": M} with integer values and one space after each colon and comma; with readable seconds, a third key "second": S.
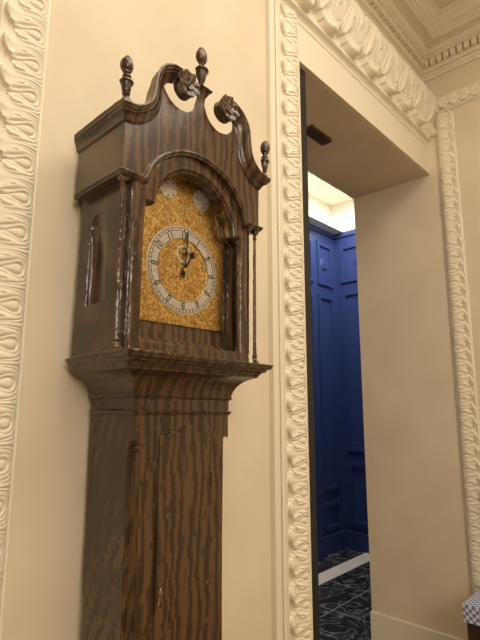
{"hour": 1, "minute": 1}
